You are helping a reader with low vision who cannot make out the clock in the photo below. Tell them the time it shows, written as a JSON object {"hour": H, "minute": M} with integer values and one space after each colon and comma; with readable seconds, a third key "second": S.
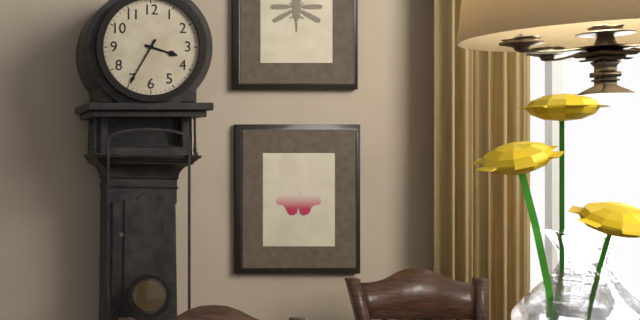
{"hour": 3, "minute": 35}
